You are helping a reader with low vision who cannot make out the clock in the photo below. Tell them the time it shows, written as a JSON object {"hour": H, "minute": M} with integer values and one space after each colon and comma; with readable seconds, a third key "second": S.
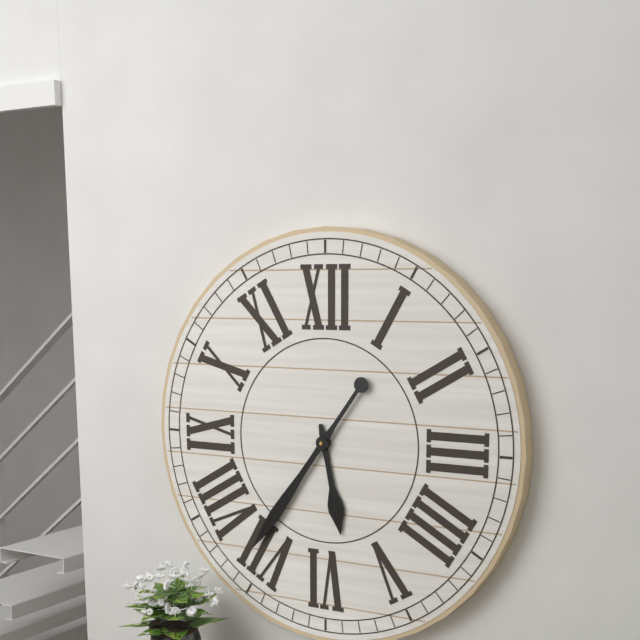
{"hour": 5, "minute": 36}
